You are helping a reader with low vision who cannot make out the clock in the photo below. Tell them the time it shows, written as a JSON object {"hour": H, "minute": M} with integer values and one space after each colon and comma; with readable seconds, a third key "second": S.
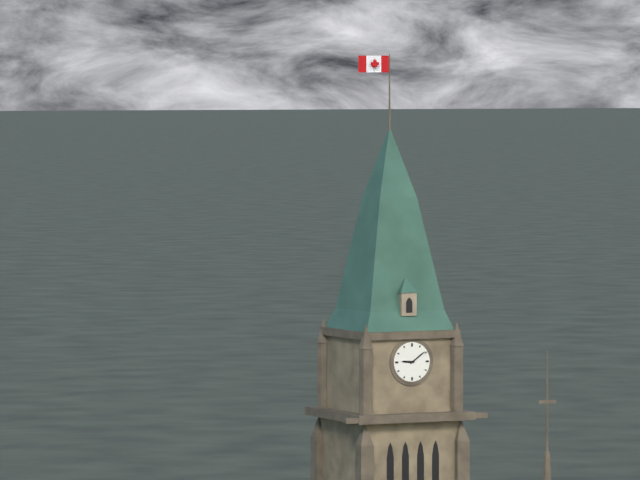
{"hour": 9, "minute": 9}
